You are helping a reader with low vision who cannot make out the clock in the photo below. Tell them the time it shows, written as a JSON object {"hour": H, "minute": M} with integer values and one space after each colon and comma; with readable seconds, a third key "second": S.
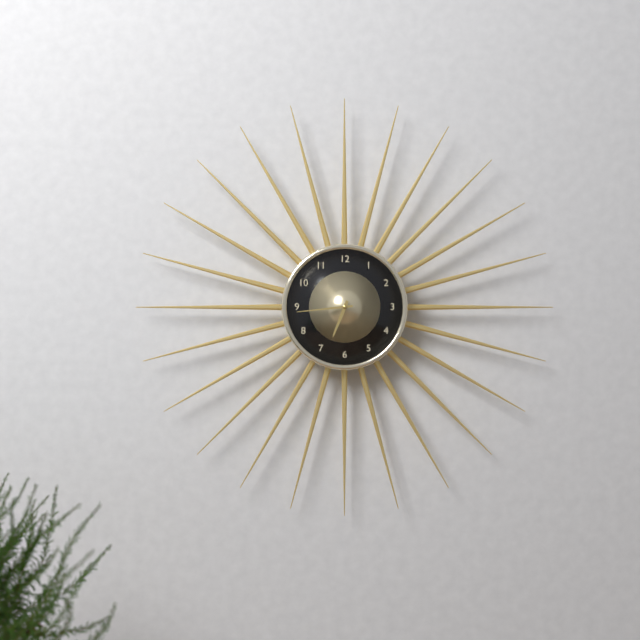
{"hour": 6, "minute": 44}
